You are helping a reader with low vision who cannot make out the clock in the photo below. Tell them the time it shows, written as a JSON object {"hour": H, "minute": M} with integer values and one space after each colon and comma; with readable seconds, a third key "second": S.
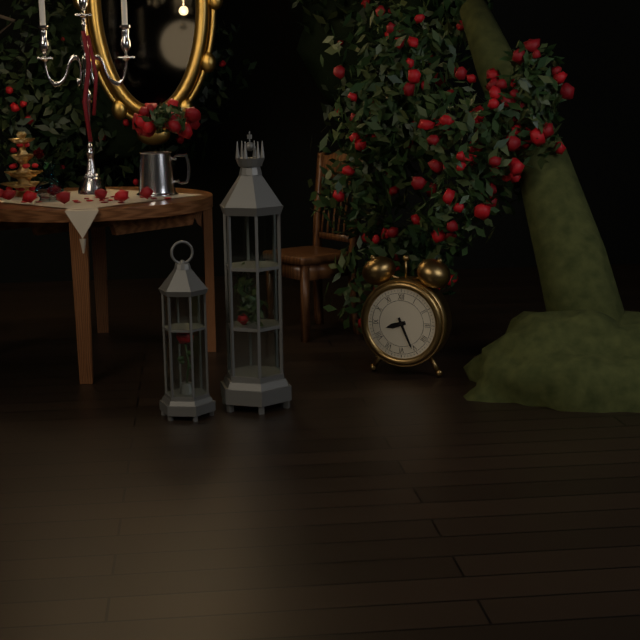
{"hour": 8, "minute": 26}
